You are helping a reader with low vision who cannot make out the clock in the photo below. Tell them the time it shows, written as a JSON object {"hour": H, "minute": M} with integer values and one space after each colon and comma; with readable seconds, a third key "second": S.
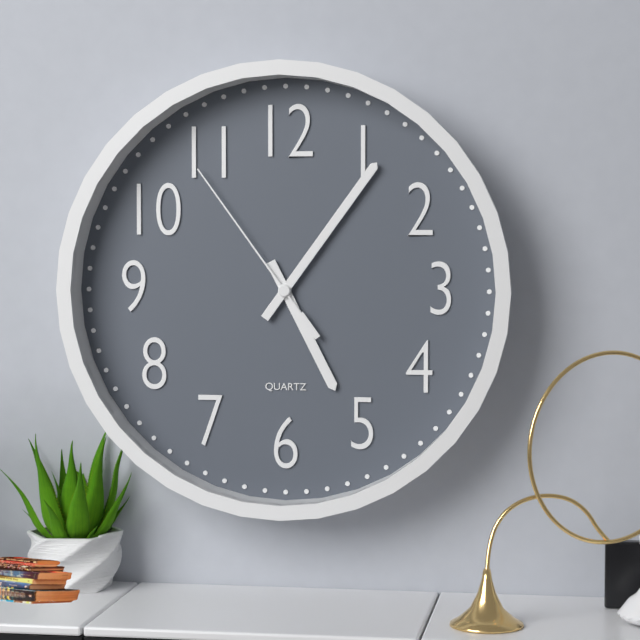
{"hour": 5, "minute": 6, "second": 54}
